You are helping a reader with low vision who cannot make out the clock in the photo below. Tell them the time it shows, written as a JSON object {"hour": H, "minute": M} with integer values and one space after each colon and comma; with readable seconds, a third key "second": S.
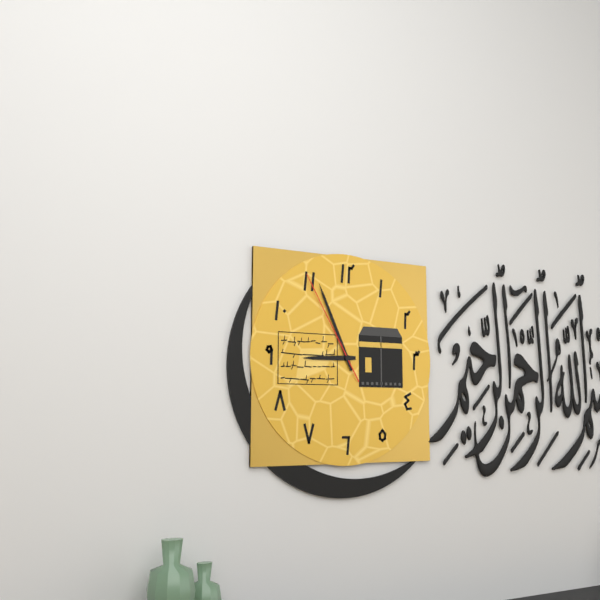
{"hour": 8, "minute": 56, "second": 55}
